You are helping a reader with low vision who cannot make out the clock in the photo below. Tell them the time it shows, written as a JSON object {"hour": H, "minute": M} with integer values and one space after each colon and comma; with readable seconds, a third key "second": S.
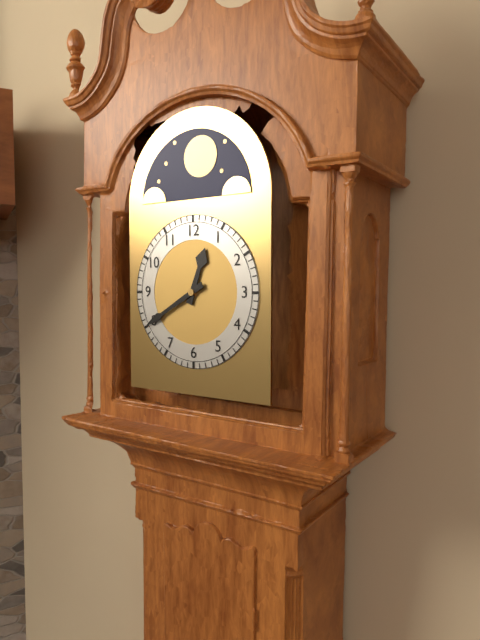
{"hour": 12, "minute": 40}
